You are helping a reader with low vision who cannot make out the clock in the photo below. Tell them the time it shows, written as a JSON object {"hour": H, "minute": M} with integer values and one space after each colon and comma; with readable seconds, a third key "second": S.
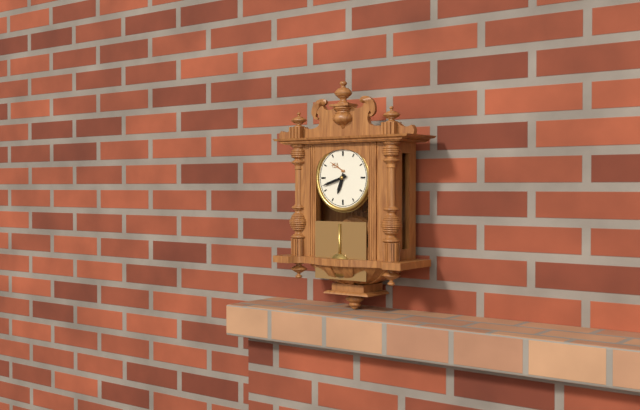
{"hour": 6, "minute": 42}
